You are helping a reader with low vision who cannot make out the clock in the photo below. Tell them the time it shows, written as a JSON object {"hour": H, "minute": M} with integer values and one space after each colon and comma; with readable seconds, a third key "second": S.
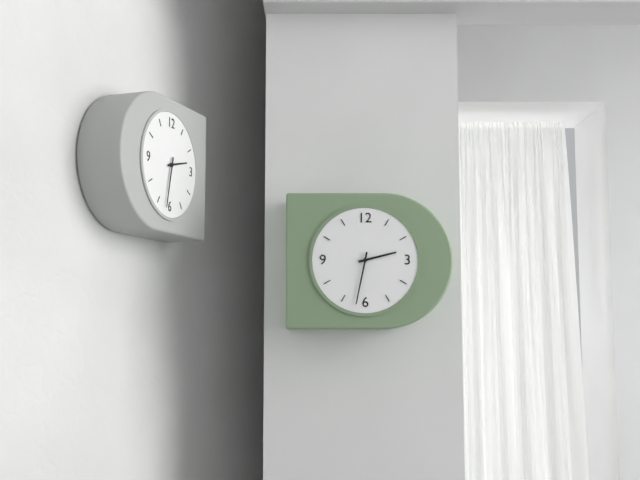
{"hour": 2, "minute": 32}
